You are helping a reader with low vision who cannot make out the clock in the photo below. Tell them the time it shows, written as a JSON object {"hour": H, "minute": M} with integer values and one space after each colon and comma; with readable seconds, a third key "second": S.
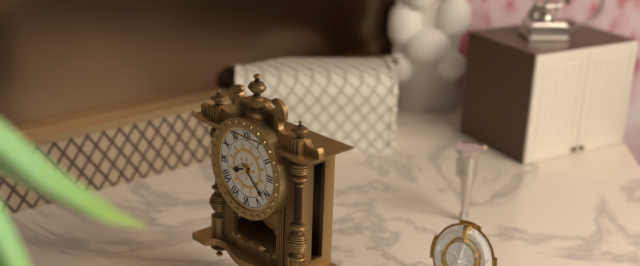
{"hour": 8, "minute": 22}
